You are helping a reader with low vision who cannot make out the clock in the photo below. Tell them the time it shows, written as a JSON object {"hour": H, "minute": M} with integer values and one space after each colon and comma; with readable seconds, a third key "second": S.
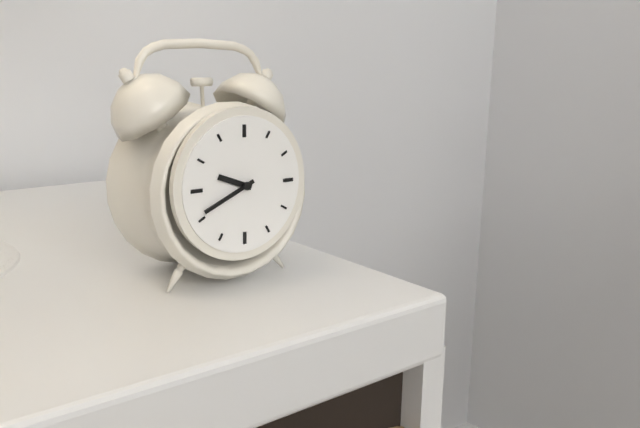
{"hour": 9, "minute": 41}
